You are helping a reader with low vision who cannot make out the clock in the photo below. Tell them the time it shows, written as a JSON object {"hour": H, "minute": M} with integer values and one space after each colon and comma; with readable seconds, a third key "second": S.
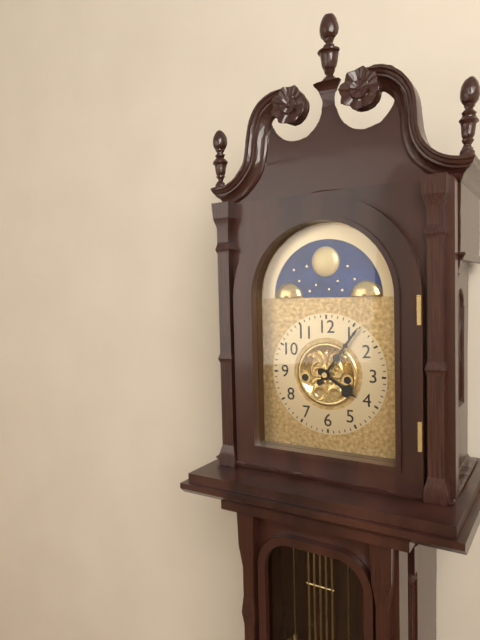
{"hour": 4, "minute": 6}
